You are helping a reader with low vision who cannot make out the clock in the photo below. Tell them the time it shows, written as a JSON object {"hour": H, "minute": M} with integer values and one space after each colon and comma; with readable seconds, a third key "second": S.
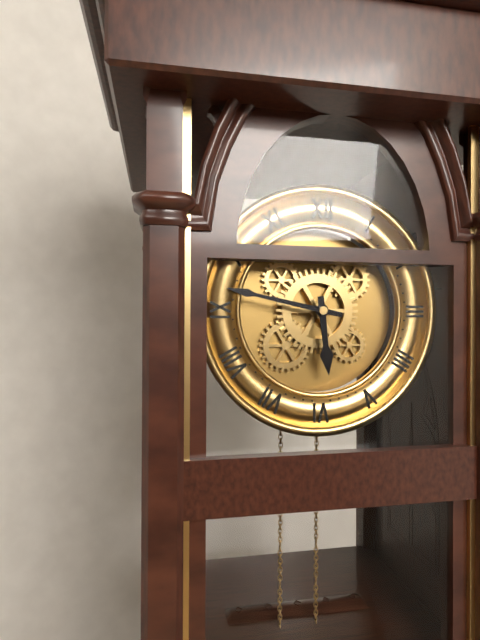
{"hour": 5, "minute": 47}
